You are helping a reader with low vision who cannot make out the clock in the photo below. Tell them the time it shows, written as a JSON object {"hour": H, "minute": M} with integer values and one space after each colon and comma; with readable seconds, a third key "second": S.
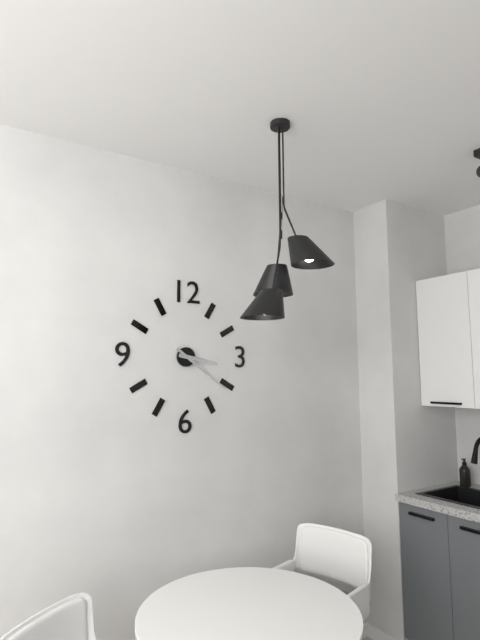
{"hour": 3, "minute": 21}
